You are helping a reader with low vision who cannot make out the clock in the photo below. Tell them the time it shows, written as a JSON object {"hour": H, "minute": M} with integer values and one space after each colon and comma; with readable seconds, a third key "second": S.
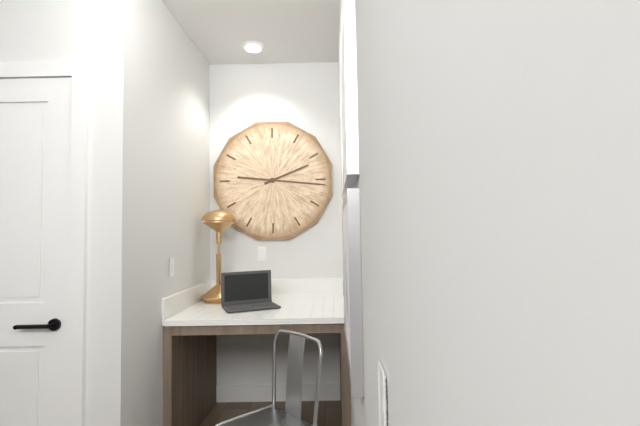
{"hour": 2, "minute": 16}
